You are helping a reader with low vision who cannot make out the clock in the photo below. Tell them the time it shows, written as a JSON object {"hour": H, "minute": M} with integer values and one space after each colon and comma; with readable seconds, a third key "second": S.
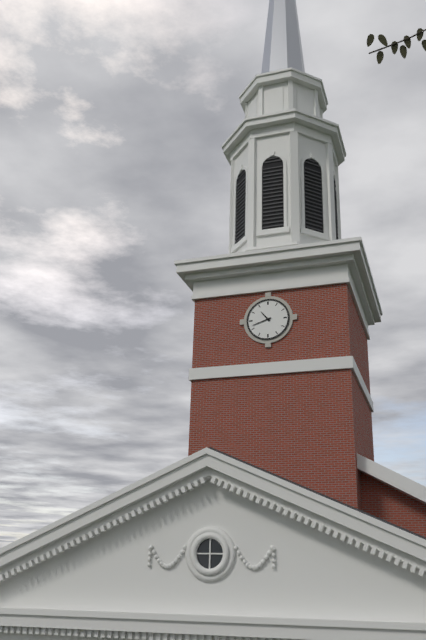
{"hour": 10, "minute": 42}
